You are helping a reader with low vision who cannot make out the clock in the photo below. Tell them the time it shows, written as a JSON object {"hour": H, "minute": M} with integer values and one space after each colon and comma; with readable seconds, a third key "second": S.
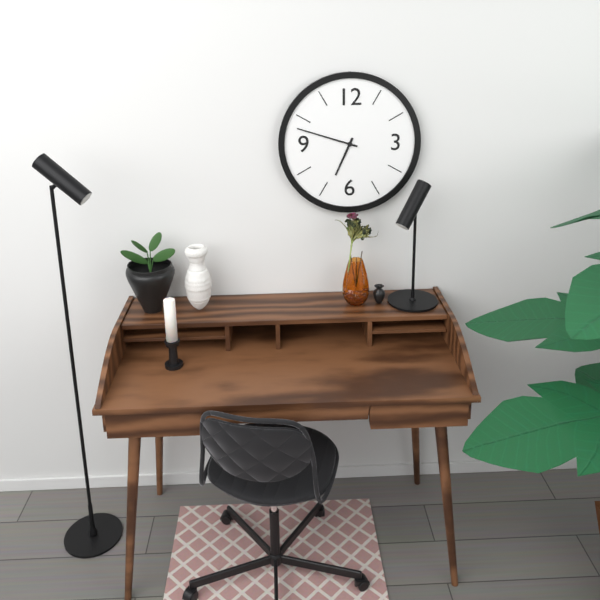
{"hour": 6, "minute": 48}
